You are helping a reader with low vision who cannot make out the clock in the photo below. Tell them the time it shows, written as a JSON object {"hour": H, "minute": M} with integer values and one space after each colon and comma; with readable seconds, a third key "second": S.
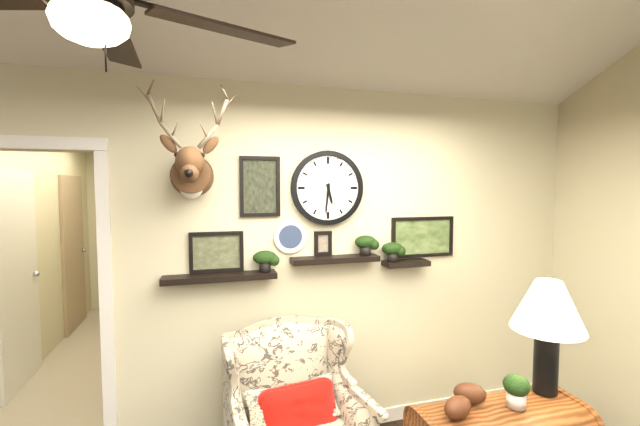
{"hour": 5, "minute": 31}
